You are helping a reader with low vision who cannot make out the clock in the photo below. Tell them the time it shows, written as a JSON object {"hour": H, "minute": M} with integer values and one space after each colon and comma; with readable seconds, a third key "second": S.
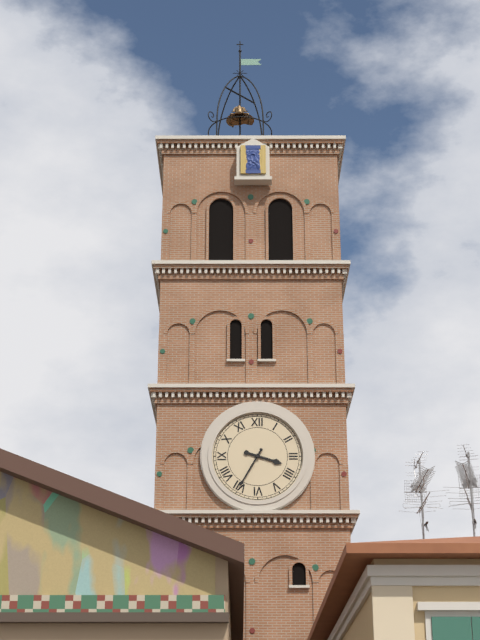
{"hour": 3, "minute": 35}
